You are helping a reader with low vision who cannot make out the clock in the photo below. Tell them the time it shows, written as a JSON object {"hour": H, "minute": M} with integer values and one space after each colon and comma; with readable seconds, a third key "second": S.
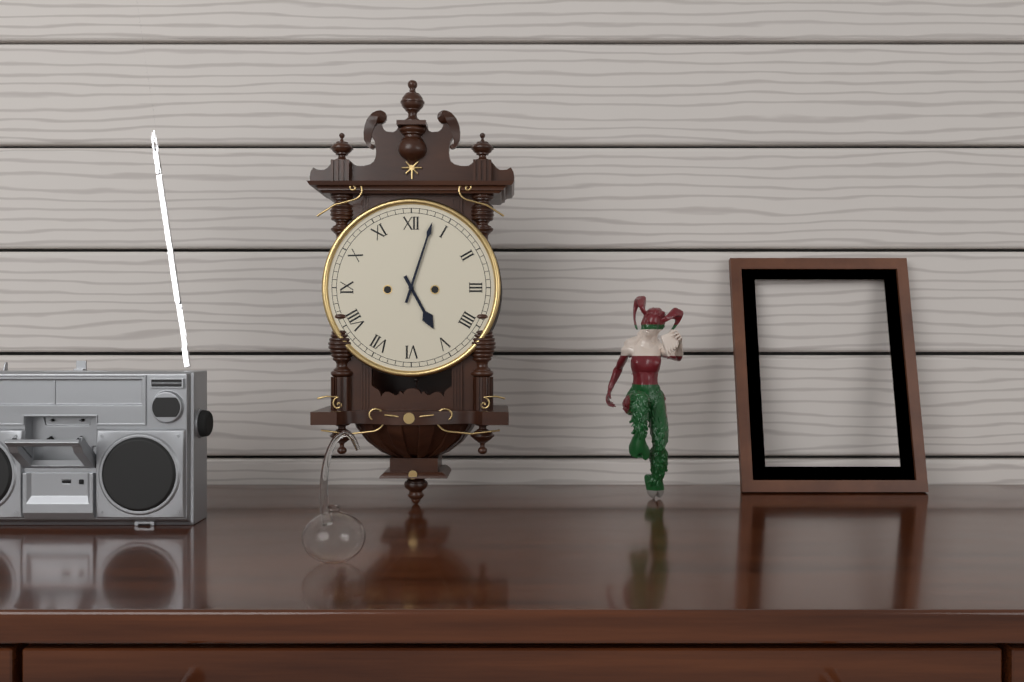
{"hour": 5, "minute": 3}
